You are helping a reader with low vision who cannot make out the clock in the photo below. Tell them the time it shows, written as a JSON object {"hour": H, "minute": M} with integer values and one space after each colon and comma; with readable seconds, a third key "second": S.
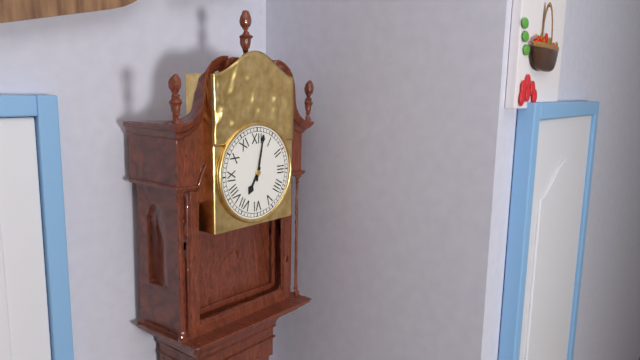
{"hour": 7, "minute": 2}
